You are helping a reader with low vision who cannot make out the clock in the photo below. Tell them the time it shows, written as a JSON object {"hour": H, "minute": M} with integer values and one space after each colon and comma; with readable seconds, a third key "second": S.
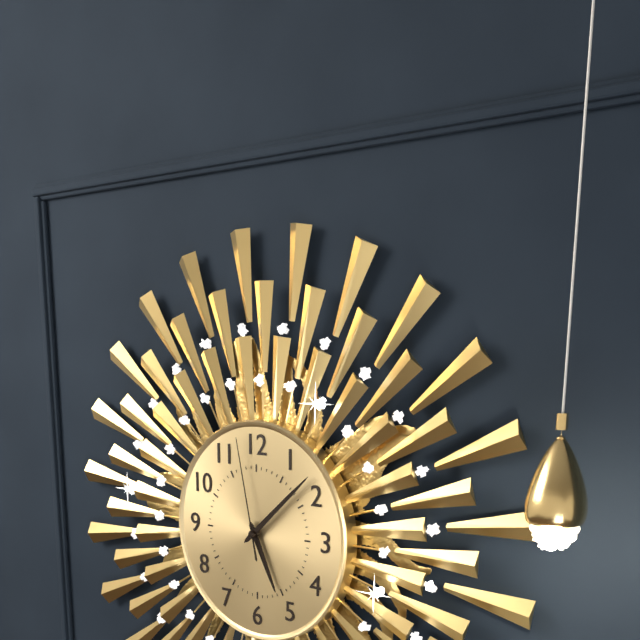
{"hour": 5, "minute": 8, "second": 58}
